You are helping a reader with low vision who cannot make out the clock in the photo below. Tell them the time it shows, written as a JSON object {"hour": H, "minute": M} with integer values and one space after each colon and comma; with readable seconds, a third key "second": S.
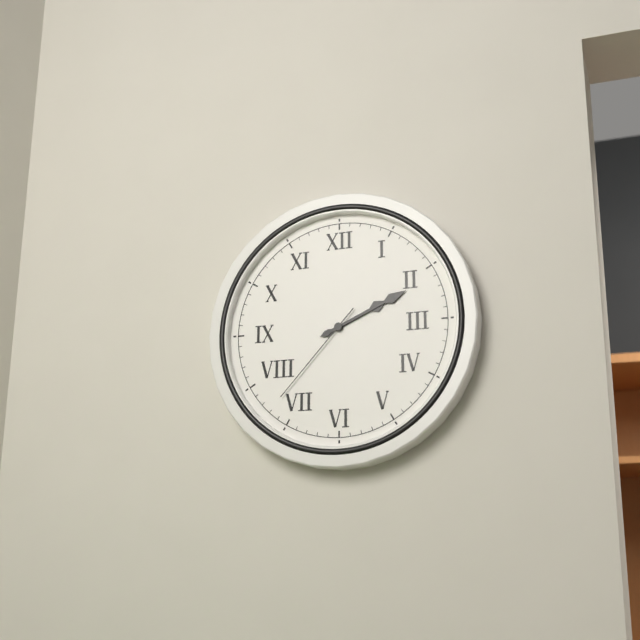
{"hour": 2, "minute": 11, "second": 37}
